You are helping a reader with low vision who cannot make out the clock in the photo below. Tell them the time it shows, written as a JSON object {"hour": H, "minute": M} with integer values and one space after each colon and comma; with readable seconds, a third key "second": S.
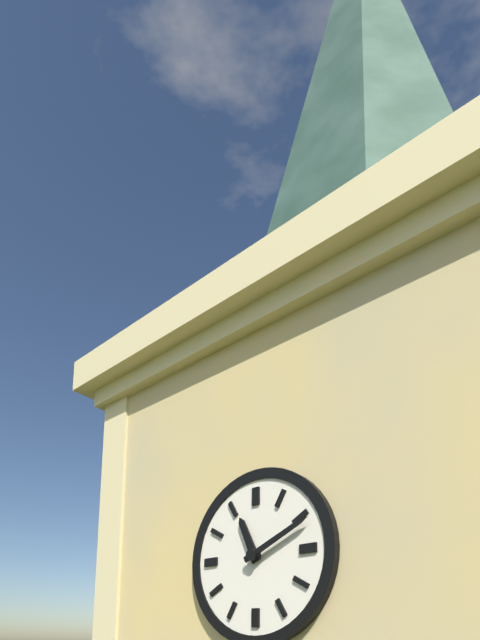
{"hour": 11, "minute": 11}
